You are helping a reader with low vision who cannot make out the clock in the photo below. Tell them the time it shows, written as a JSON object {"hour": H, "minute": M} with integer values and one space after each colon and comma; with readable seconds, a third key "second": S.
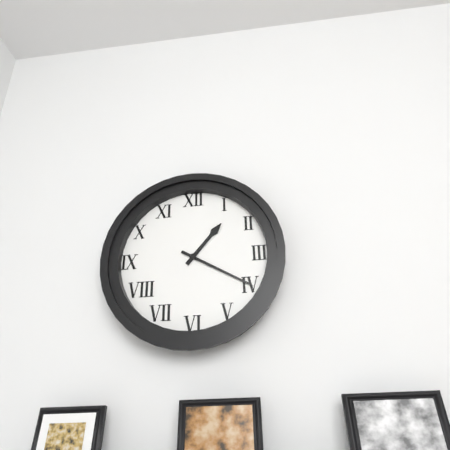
{"hour": 1, "minute": 20}
